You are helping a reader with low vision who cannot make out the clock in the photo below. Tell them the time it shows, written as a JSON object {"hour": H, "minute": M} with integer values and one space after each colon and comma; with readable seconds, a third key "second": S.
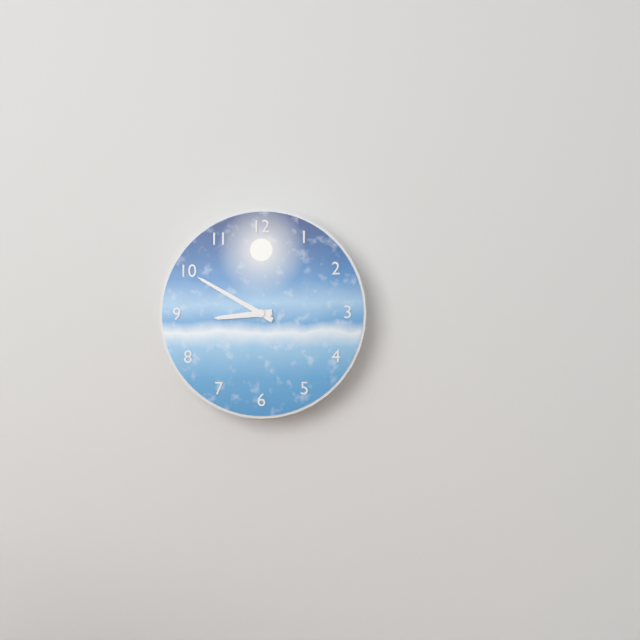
{"hour": 8, "minute": 50}
